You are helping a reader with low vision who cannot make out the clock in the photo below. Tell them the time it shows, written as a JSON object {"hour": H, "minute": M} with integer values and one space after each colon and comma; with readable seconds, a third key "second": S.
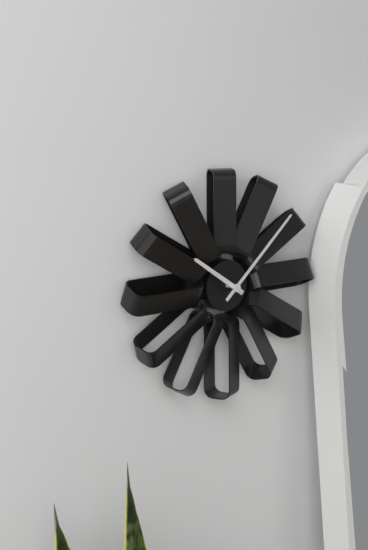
{"hour": 10, "minute": 8}
